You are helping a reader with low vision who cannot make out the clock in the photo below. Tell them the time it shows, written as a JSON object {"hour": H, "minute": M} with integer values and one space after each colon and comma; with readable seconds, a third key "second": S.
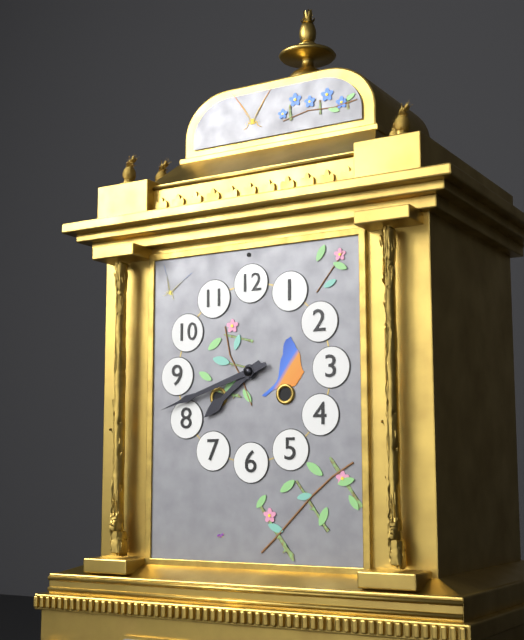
{"hour": 7, "minute": 42}
